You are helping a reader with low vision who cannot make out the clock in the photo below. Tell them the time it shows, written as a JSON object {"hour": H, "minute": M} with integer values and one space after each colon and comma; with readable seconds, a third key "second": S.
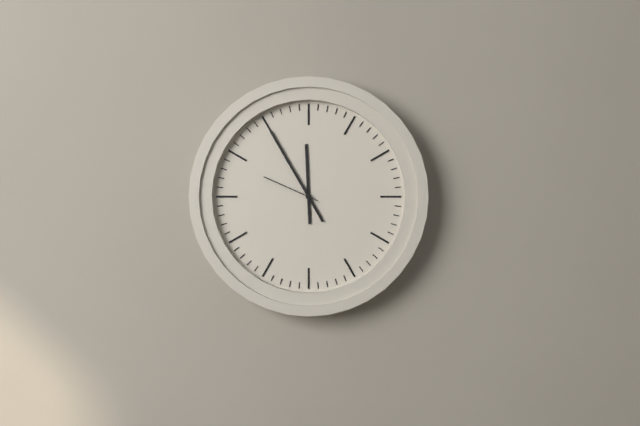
{"hour": 11, "minute": 55, "second": 49}
